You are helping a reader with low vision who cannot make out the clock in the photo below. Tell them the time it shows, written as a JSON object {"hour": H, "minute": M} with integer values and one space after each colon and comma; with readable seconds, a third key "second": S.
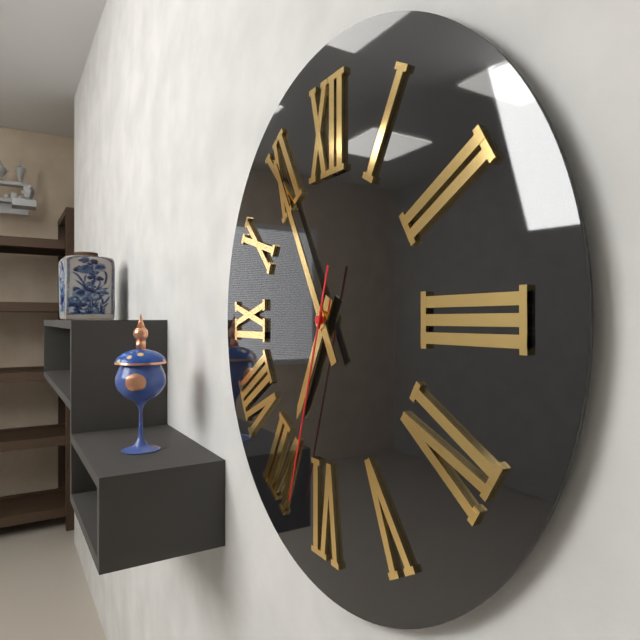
{"hour": 6, "minute": 55, "second": 33}
